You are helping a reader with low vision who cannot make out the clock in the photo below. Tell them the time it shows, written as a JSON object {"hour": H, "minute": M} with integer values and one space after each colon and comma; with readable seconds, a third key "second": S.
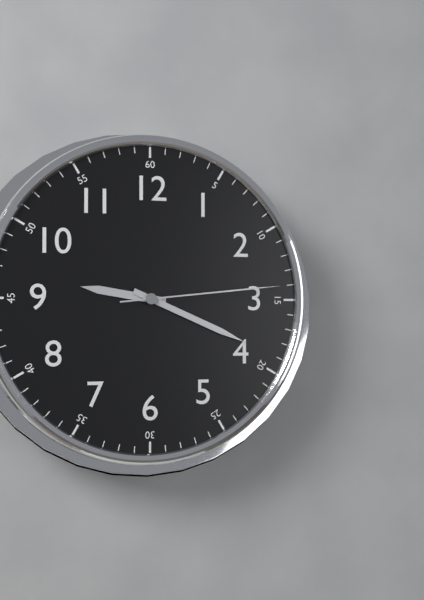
{"hour": 9, "minute": 19, "second": 14}
